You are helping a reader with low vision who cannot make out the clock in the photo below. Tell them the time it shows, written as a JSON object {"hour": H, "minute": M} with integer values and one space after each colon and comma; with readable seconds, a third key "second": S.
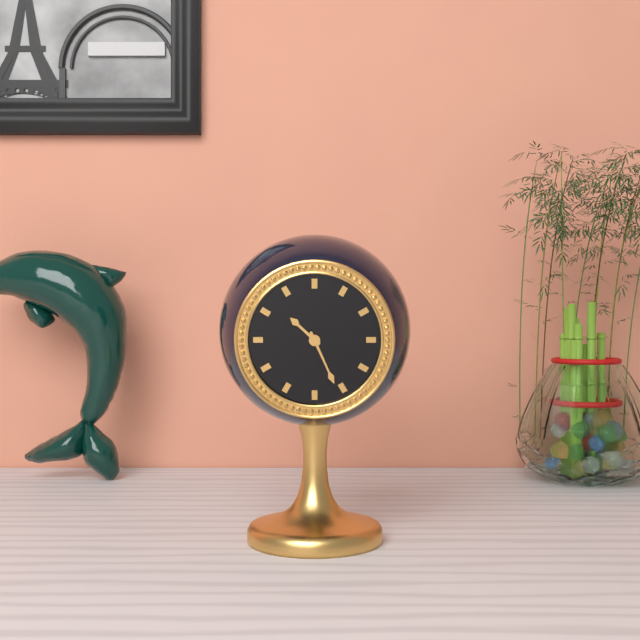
{"hour": 10, "minute": 26}
